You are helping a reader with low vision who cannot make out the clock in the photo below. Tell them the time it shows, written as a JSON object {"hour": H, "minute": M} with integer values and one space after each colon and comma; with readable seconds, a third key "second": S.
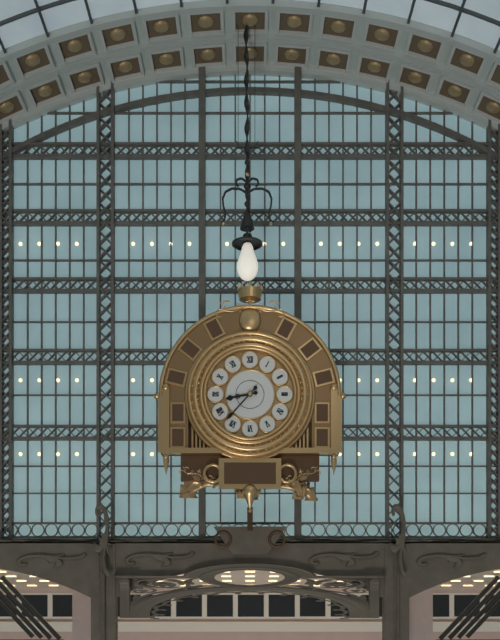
{"hour": 8, "minute": 37}
